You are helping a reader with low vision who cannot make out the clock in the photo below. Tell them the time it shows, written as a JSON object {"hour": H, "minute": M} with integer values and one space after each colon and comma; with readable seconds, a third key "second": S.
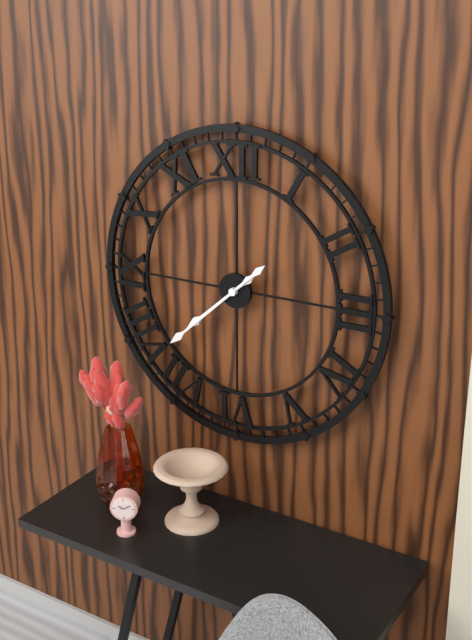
{"hour": 7, "minute": 38}
